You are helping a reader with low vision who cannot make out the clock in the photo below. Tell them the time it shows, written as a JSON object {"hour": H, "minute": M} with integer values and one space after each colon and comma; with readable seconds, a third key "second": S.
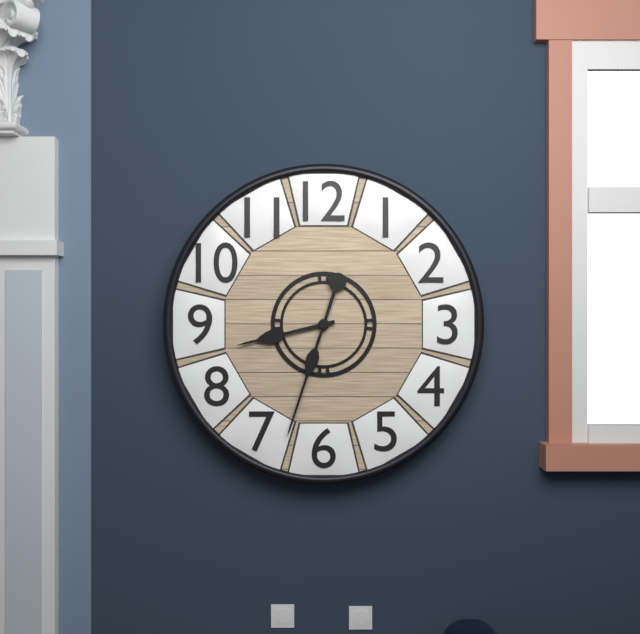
{"hour": 8, "minute": 33}
